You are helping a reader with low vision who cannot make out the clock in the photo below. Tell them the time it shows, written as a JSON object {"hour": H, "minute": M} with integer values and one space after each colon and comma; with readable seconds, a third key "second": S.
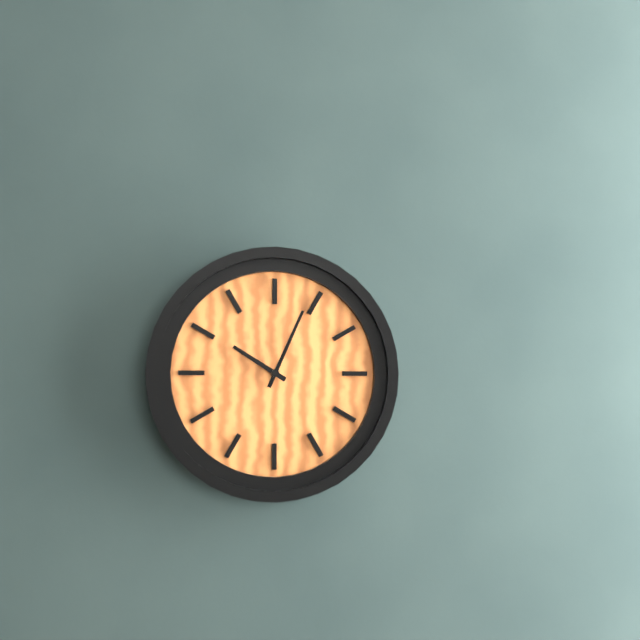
{"hour": 10, "minute": 4}
